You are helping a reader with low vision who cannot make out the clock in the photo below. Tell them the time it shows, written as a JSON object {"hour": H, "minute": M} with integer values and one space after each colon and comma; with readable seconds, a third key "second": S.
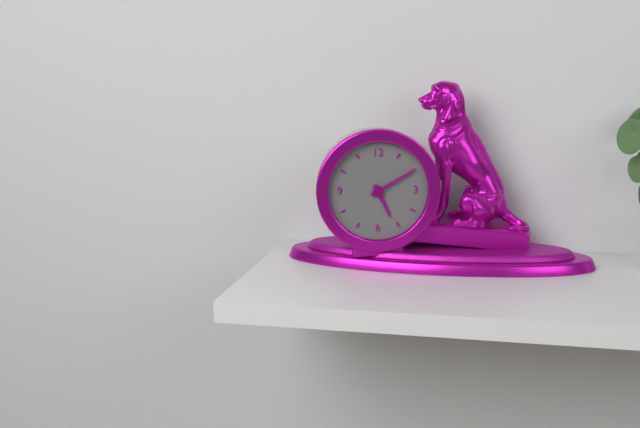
{"hour": 5, "minute": 10}
